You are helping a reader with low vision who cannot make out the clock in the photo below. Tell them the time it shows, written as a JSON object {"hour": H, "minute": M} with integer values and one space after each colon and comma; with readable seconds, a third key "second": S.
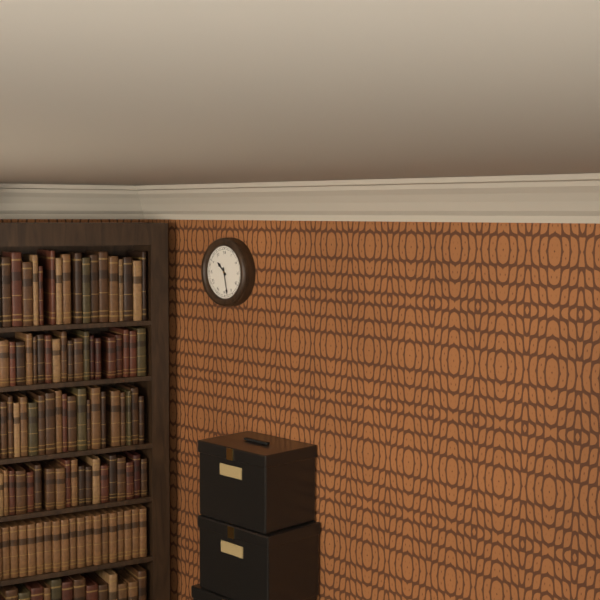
{"hour": 10, "minute": 28}
